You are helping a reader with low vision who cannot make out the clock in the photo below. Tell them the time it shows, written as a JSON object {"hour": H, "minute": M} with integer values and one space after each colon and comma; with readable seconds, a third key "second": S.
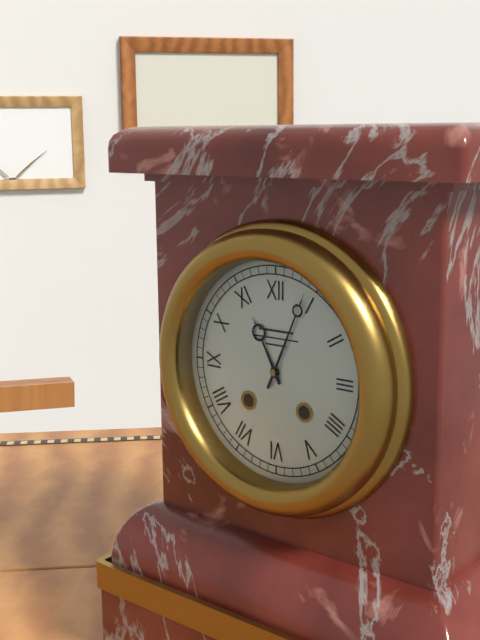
{"hour": 11, "minute": 4}
